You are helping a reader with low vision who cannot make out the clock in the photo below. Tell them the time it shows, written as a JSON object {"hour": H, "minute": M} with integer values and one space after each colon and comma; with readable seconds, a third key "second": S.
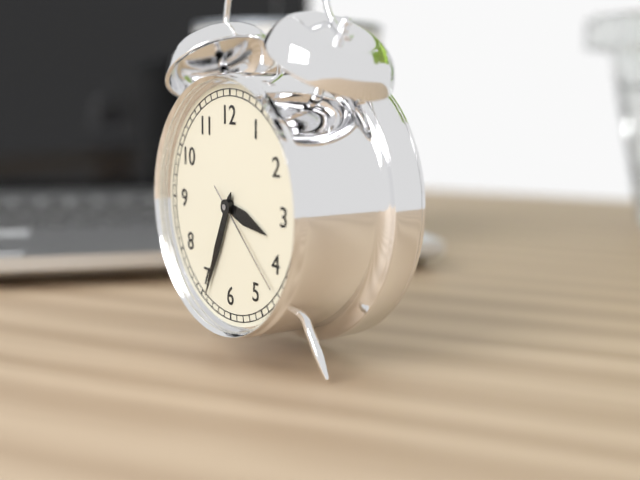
{"hour": 3, "minute": 34, "second": 22}
